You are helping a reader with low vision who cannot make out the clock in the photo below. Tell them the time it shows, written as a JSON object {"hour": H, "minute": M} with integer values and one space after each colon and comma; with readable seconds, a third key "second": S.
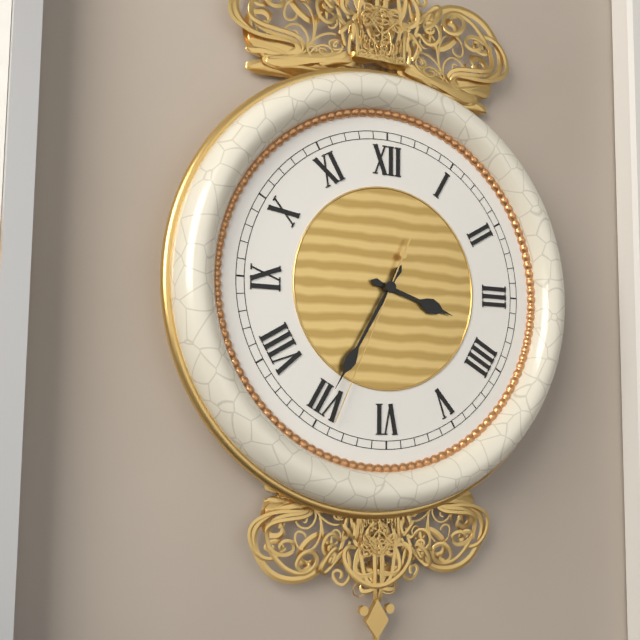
{"hour": 3, "minute": 35, "second": 34}
